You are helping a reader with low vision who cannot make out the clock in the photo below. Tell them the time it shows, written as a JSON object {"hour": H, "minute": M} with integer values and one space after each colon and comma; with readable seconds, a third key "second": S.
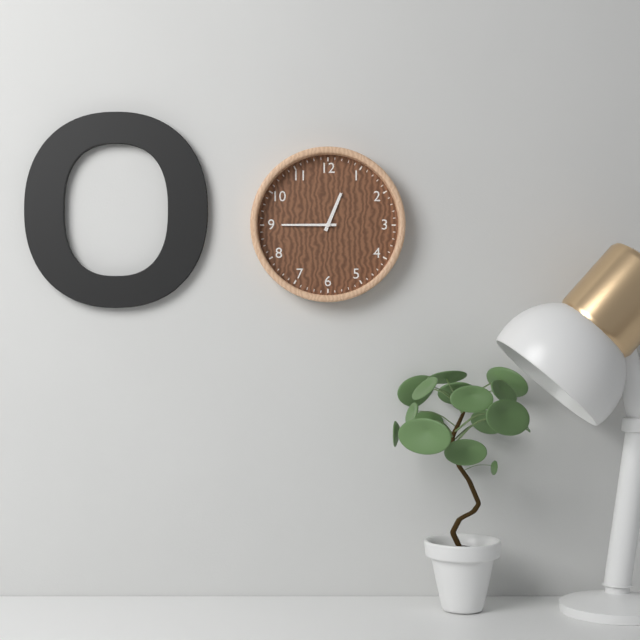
{"hour": 12, "minute": 45}
